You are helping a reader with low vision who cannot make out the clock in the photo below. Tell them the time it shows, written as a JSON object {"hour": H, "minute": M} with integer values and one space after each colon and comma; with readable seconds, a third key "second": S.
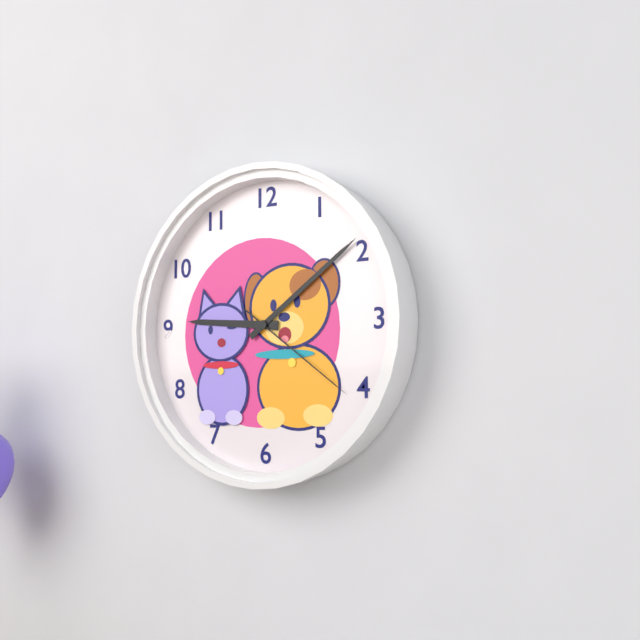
{"hour": 9, "minute": 9, "second": 21}
